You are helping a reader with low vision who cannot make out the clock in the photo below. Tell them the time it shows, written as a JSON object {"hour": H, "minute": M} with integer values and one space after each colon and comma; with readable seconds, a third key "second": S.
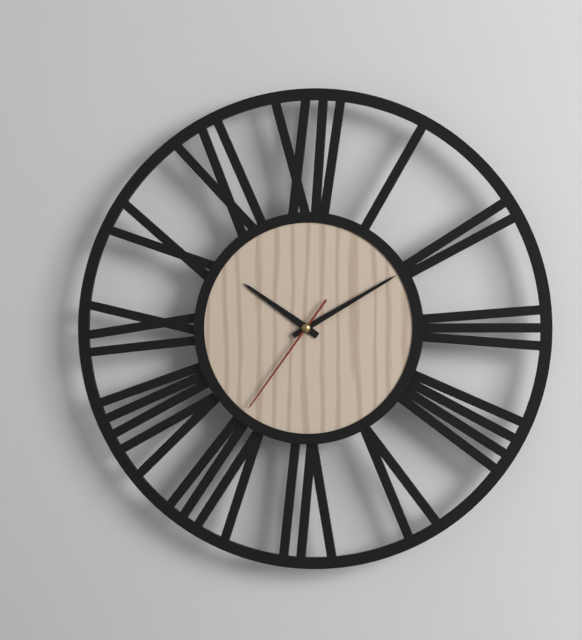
{"hour": 10, "minute": 10, "second": 36}
